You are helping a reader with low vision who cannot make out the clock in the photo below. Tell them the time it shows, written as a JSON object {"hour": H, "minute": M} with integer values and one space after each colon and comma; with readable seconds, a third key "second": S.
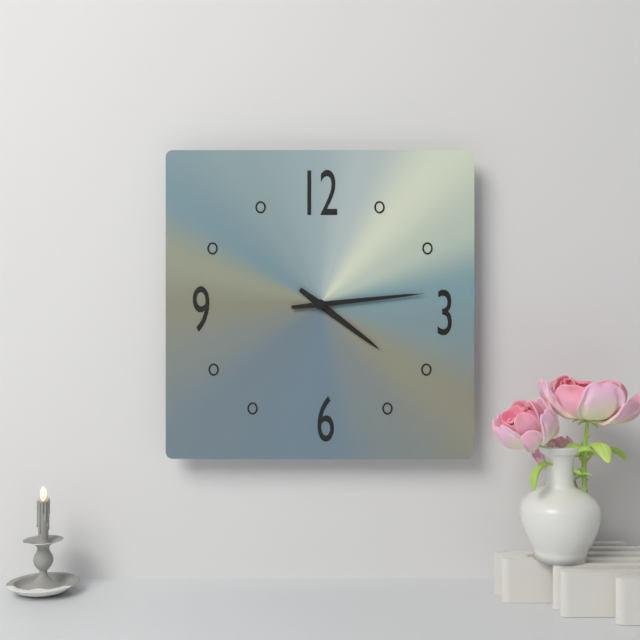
{"hour": 4, "minute": 14}
